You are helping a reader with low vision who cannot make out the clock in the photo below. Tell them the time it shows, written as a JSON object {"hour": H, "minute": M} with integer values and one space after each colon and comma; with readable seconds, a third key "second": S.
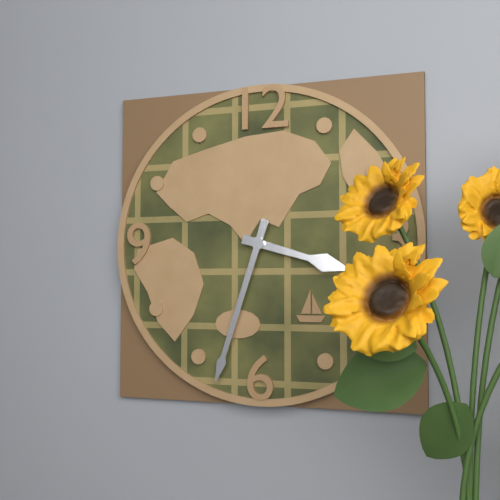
{"hour": 3, "minute": 33}
